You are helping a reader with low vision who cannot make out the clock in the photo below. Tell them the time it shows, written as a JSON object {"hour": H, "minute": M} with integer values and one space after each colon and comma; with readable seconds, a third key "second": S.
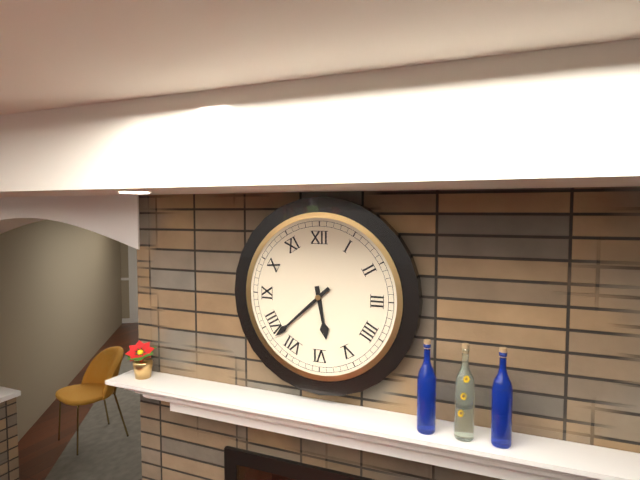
{"hour": 5, "minute": 38}
